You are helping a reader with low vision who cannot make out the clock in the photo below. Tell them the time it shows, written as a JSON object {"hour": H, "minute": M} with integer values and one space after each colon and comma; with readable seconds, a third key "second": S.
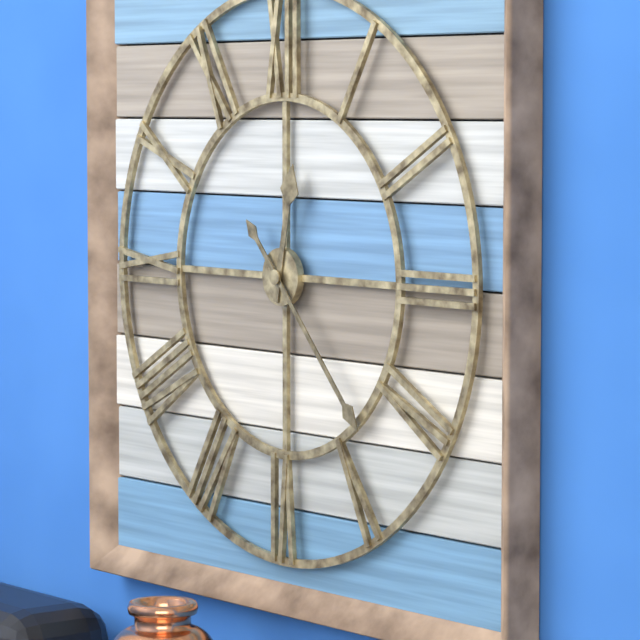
{"hour": 12, "minute": 23}
